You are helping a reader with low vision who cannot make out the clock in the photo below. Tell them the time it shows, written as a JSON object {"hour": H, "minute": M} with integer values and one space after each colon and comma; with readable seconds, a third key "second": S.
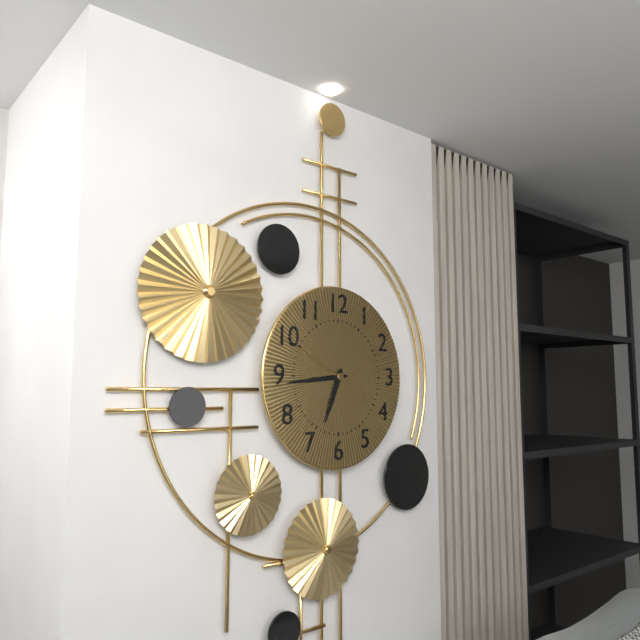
{"hour": 6, "minute": 44, "second": 50}
